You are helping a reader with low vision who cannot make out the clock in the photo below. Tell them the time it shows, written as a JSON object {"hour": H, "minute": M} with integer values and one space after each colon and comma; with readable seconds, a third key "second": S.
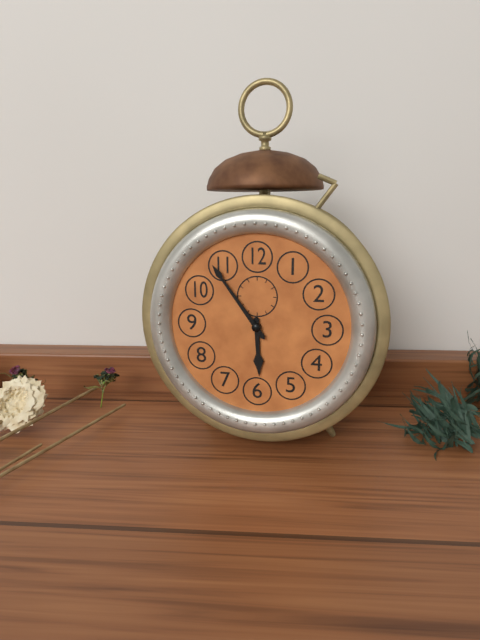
{"hour": 5, "minute": 54}
